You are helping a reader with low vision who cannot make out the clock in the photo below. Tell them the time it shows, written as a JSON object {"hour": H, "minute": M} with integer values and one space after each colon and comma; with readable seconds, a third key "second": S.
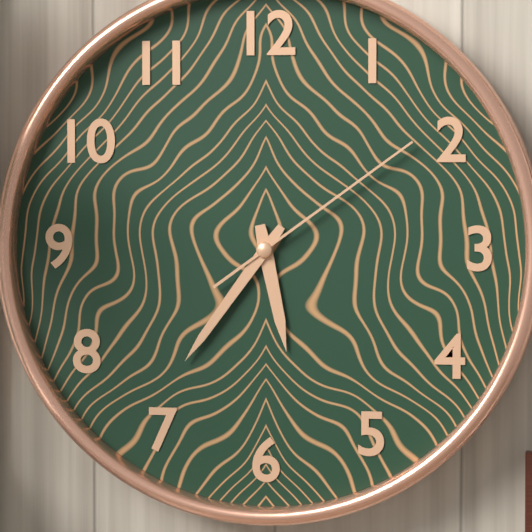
{"hour": 5, "minute": 36, "second": 9}
